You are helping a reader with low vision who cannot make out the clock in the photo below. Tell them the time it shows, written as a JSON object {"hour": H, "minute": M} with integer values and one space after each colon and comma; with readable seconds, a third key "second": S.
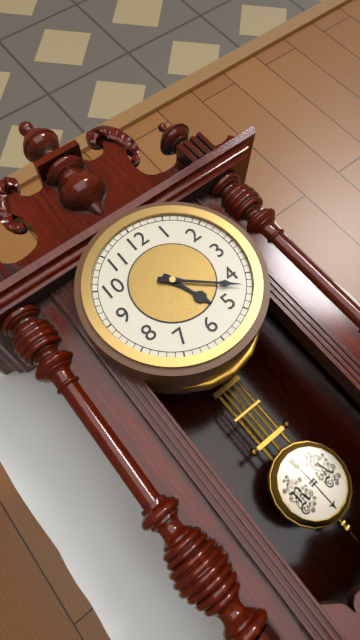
{"hour": 5, "minute": 22}
